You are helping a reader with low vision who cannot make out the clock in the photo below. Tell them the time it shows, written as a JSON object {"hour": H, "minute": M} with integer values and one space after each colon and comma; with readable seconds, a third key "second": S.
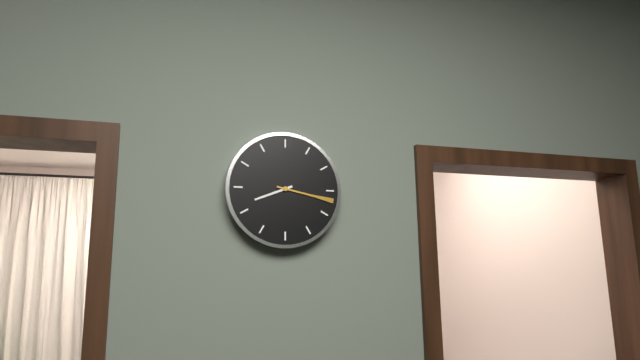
{"hour": 8, "minute": 17}
